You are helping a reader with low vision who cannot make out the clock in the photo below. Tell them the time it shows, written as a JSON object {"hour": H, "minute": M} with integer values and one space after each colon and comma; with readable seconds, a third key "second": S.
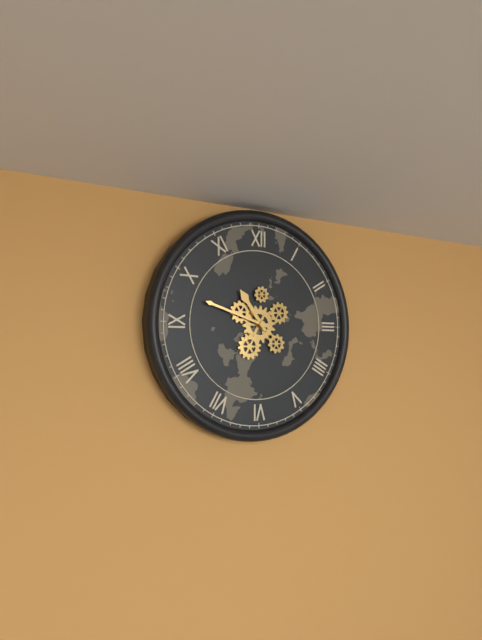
{"hour": 10, "minute": 48}
